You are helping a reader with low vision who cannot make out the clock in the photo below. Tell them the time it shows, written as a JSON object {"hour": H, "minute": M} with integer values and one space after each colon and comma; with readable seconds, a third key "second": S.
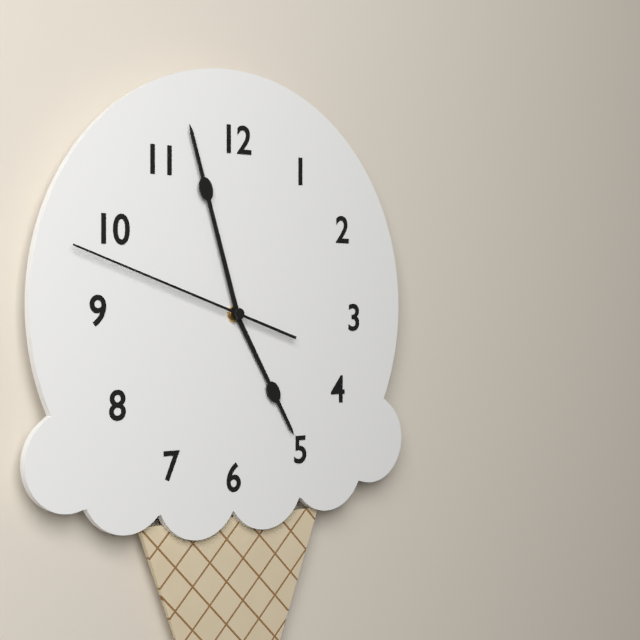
{"hour": 4, "minute": 57, "second": 48}
